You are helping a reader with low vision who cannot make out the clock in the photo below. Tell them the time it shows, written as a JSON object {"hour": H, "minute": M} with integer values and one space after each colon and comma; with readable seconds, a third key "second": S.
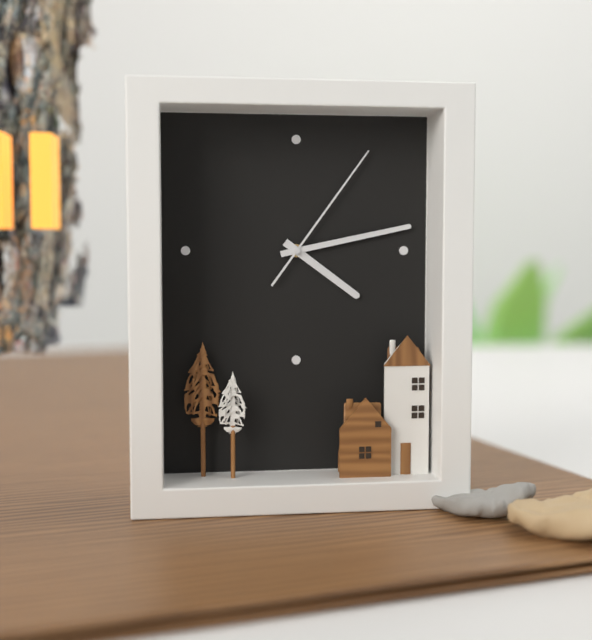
{"hour": 4, "minute": 13, "second": 6}
